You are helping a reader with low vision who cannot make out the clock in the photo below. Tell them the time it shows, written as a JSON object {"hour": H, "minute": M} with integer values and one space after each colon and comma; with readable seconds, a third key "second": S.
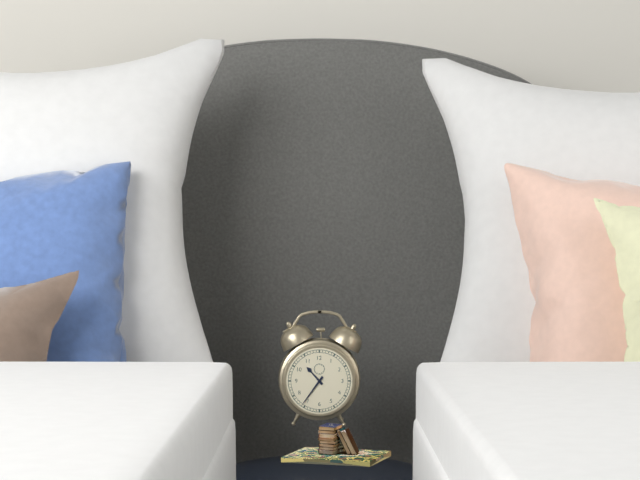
{"hour": 10, "minute": 36}
